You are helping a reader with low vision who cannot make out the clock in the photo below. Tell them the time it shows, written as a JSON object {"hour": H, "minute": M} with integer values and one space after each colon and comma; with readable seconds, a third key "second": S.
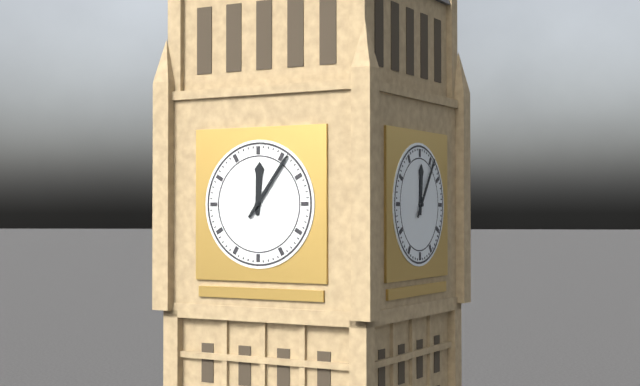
{"hour": 12, "minute": 6}
